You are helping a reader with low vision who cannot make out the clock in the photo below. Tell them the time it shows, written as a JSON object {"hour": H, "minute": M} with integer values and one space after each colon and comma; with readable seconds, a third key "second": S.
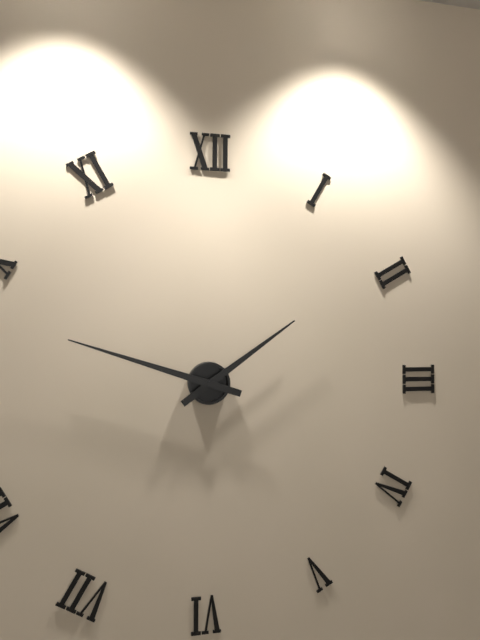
{"hour": 1, "minute": 48}
